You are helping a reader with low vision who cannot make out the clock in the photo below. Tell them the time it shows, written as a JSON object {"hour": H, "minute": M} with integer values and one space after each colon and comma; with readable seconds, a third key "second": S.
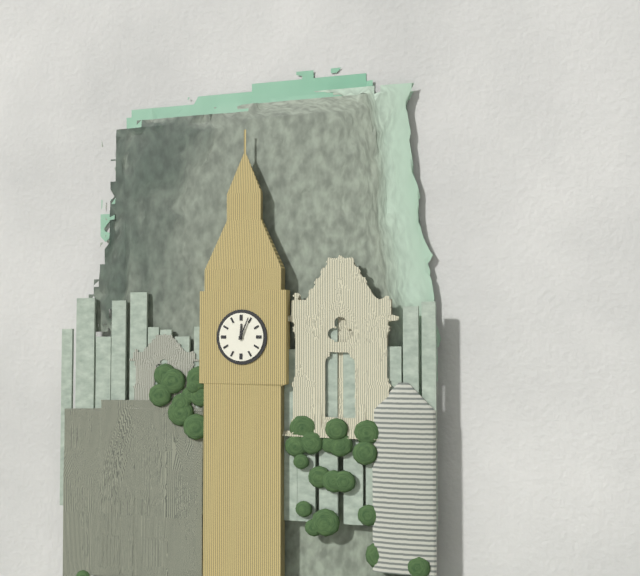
{"hour": 12, "minute": 4}
